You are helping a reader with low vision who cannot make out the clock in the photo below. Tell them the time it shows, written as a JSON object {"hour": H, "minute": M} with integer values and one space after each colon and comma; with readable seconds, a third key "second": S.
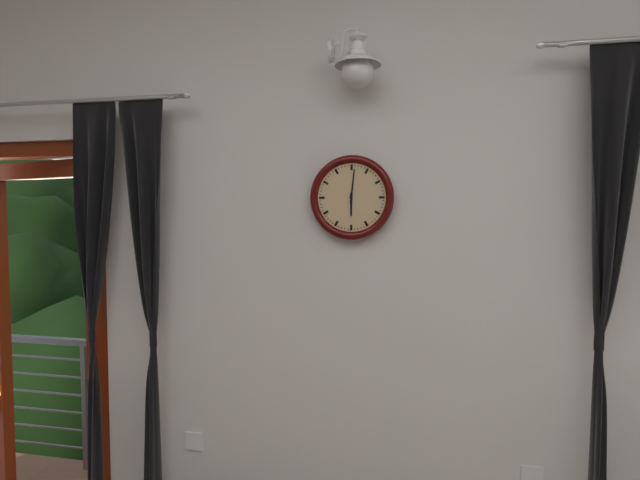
{"hour": 6, "minute": 1}
